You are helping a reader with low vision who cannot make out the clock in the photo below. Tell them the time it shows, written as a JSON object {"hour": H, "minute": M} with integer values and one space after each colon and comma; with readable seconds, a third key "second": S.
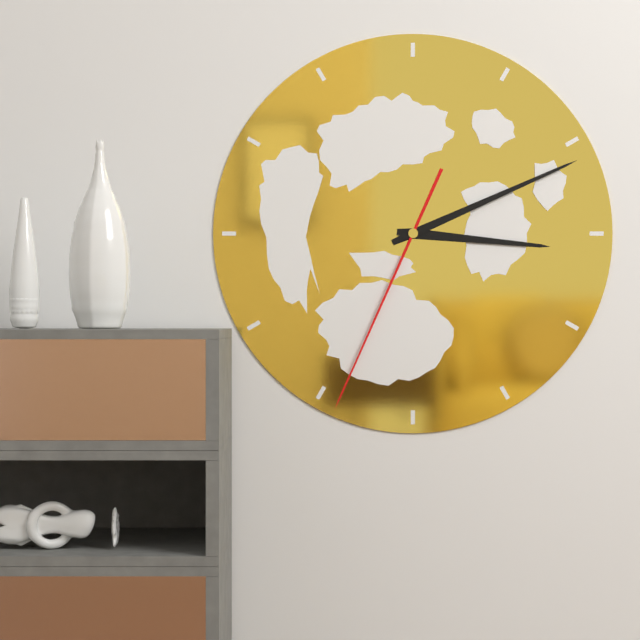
{"hour": 3, "minute": 11, "second": 34}
